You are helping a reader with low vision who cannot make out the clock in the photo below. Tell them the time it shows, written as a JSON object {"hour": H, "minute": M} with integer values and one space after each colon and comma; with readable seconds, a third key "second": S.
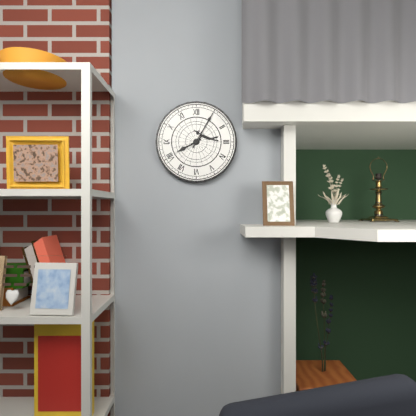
{"hour": 8, "minute": 5}
